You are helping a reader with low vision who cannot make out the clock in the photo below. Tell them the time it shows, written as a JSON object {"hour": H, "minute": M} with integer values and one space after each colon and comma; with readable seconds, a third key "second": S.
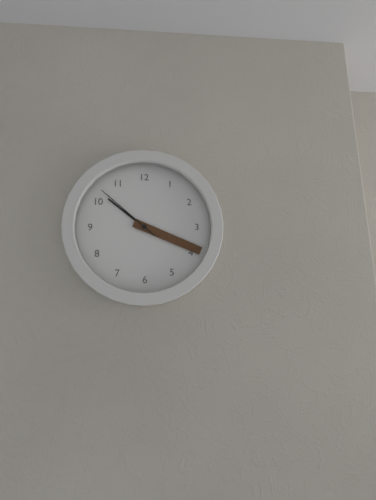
{"hour": 10, "minute": 19, "second": 52}
